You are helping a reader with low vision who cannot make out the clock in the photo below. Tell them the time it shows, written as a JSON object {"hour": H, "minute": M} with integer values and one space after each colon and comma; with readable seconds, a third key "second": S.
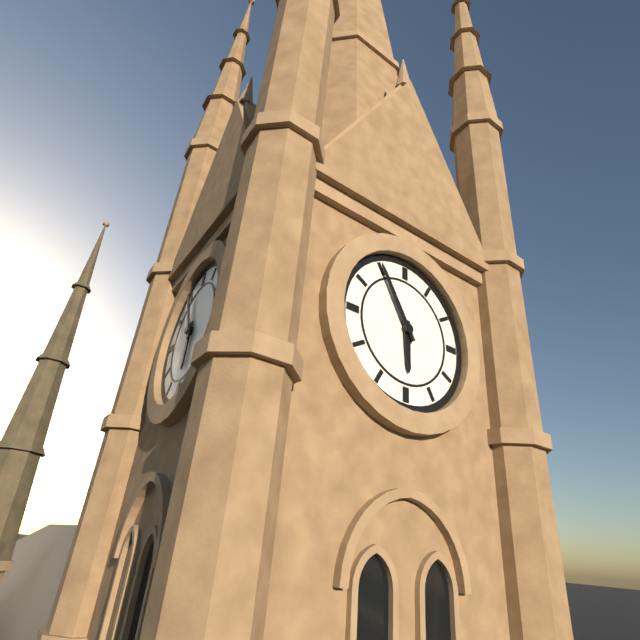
{"hour": 5, "minute": 55}
